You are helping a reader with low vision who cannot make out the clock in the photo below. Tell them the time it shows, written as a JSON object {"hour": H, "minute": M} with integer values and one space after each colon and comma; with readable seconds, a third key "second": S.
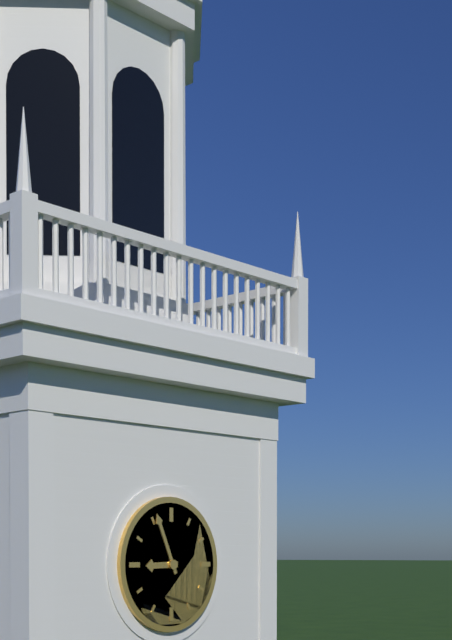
{"hour": 8, "minute": 56}
